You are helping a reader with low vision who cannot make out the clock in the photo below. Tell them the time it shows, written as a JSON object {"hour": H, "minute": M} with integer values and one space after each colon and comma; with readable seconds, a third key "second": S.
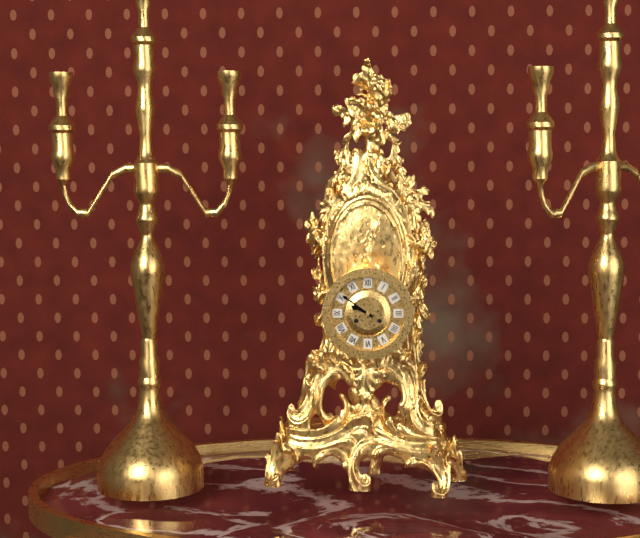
{"hour": 9, "minute": 51}
